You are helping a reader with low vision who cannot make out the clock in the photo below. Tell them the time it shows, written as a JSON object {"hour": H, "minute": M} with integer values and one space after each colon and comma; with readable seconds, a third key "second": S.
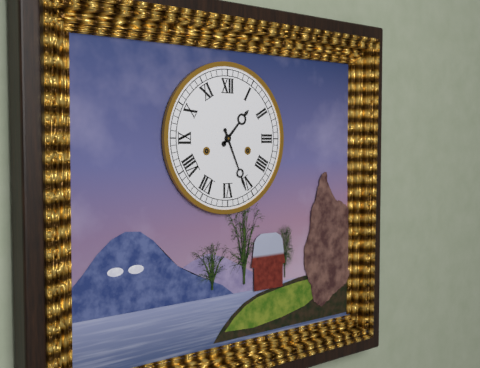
{"hour": 1, "minute": 26}
